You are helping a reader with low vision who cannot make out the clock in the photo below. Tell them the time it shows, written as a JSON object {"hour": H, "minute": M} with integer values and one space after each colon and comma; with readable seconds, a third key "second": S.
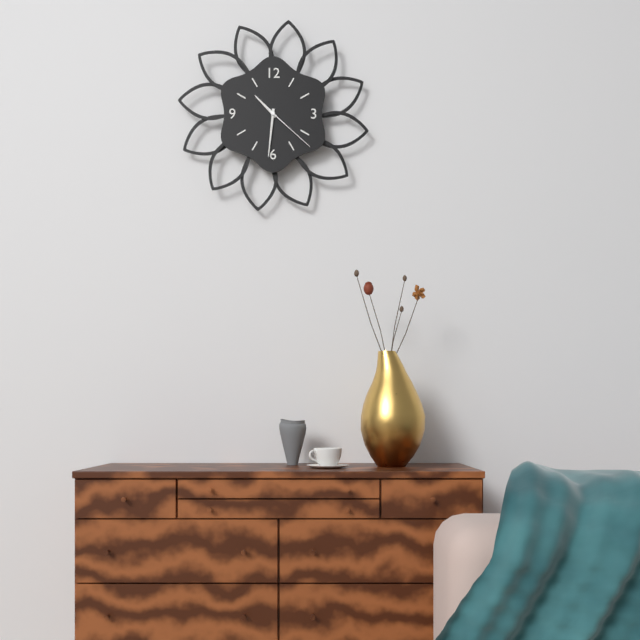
{"hour": 10, "minute": 31, "second": 22}
